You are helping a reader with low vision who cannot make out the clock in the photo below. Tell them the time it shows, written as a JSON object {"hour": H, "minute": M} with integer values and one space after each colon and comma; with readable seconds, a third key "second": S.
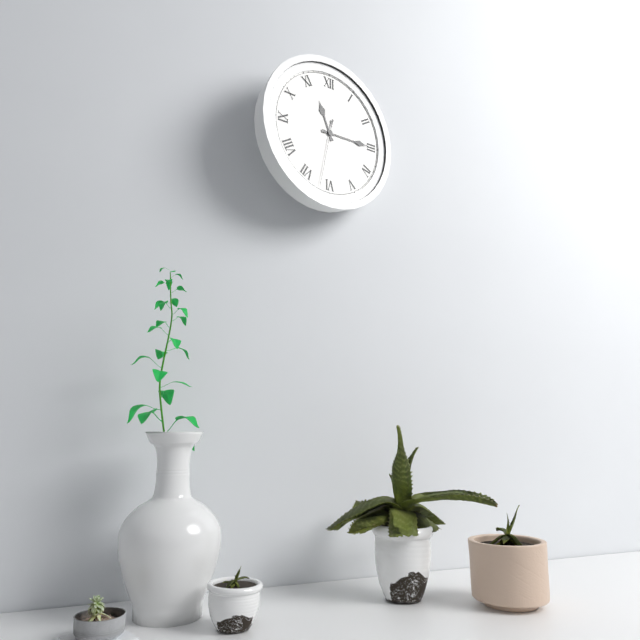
{"hour": 11, "minute": 15, "second": 32}
